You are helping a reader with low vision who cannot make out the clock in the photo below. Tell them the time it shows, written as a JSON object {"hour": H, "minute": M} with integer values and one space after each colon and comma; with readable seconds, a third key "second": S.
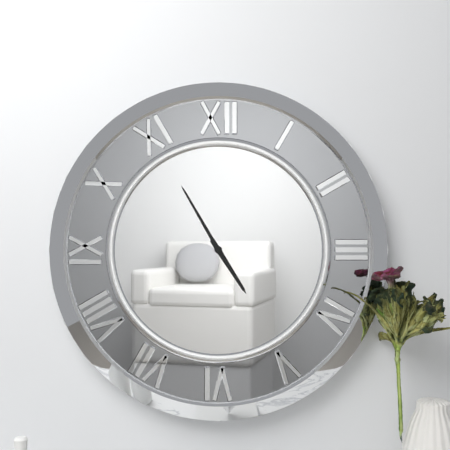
{"hour": 4, "minute": 55}
